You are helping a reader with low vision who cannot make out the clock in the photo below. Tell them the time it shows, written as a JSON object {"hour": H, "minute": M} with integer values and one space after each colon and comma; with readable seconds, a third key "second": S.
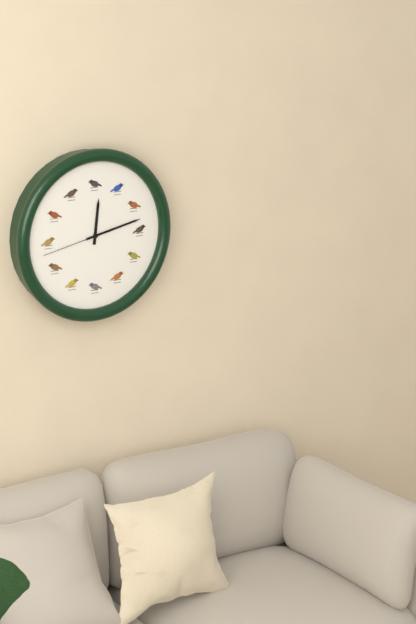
{"hour": 12, "minute": 13, "second": 43}
